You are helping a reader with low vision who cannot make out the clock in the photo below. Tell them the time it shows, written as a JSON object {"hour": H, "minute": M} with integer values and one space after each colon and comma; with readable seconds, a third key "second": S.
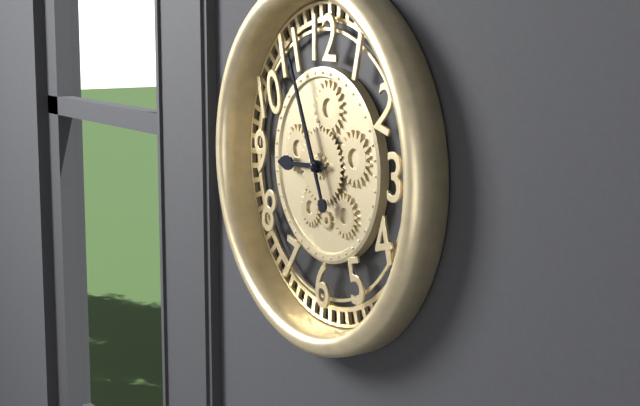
{"hour": 8, "minute": 56}
